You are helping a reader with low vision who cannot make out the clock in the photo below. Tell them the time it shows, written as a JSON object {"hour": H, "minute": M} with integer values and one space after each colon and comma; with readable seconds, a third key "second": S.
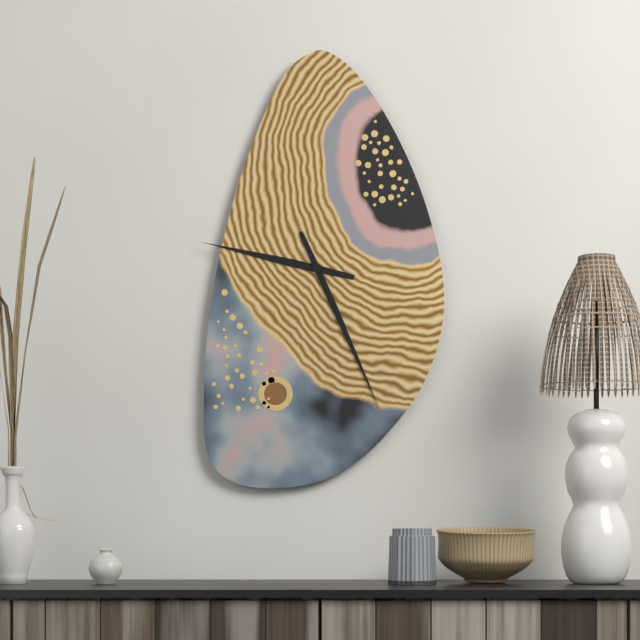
{"hour": 9, "minute": 26}
